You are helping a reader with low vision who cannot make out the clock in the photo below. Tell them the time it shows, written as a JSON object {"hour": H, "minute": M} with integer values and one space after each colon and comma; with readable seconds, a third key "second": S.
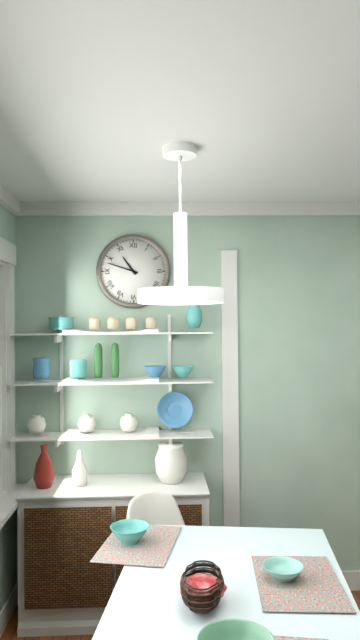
{"hour": 10, "minute": 48}
